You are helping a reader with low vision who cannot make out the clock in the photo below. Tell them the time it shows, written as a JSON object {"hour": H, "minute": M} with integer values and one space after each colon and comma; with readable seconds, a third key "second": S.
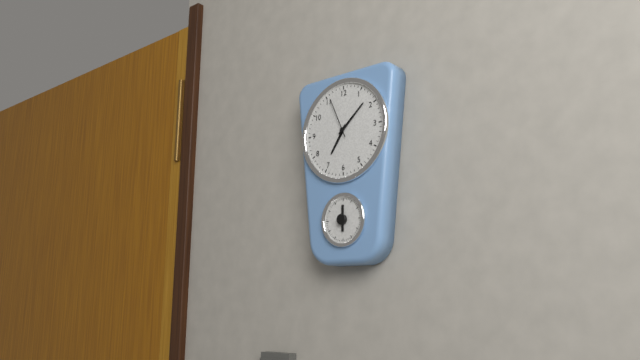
{"hour": 7, "minute": 8}
